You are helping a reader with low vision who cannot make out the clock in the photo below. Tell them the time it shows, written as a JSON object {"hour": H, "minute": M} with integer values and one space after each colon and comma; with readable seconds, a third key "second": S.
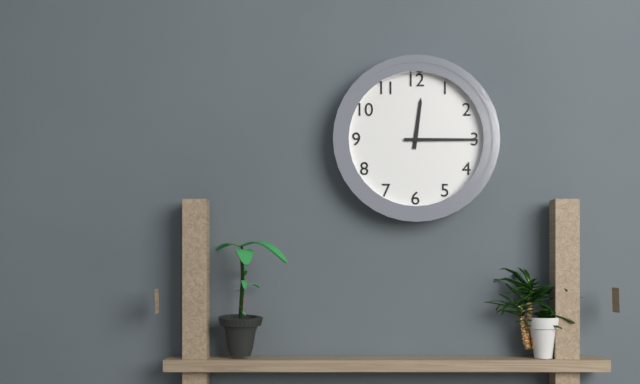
{"hour": 12, "minute": 15}
